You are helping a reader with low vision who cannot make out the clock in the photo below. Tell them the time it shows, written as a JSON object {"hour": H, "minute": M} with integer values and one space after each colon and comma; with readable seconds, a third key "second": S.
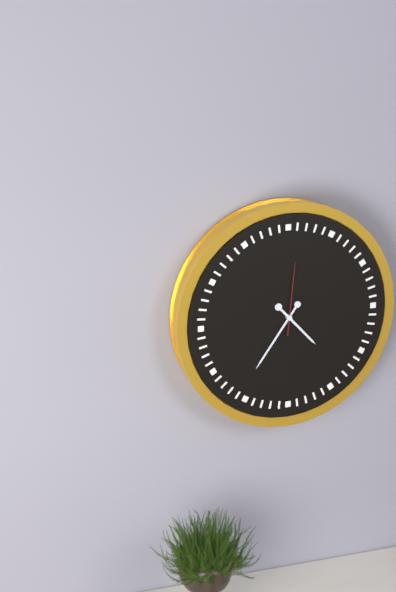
{"hour": 4, "minute": 36, "second": 1}
